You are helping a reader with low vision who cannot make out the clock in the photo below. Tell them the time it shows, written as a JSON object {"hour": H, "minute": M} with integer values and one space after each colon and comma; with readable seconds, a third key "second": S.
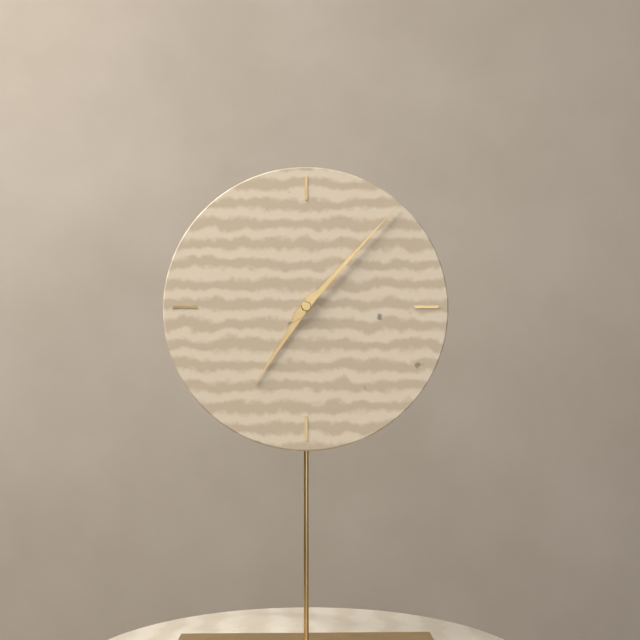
{"hour": 7, "minute": 7}
